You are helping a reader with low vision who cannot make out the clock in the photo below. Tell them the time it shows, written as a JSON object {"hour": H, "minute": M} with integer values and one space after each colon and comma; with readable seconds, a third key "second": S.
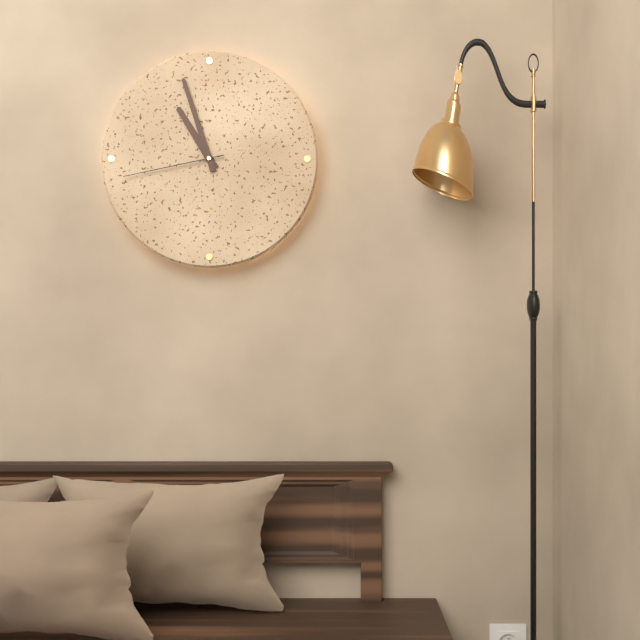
{"hour": 10, "minute": 57, "second": 43}
